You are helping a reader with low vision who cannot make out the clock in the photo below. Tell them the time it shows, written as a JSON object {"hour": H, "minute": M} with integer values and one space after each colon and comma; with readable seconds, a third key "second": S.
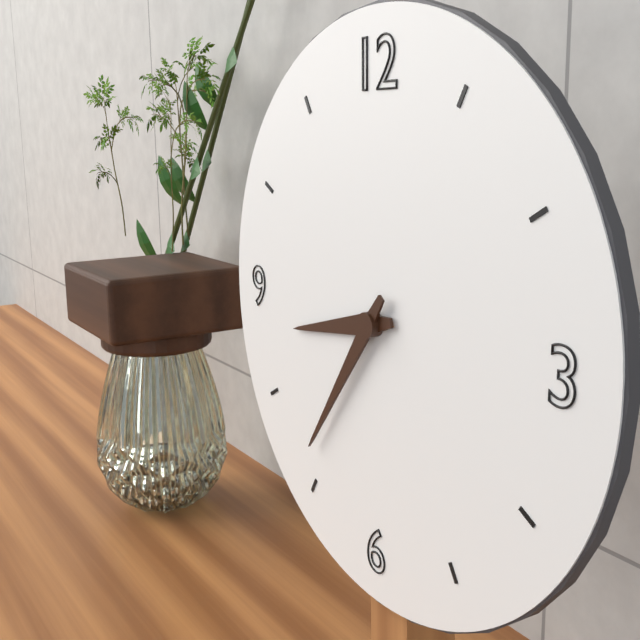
{"hour": 8, "minute": 36}
